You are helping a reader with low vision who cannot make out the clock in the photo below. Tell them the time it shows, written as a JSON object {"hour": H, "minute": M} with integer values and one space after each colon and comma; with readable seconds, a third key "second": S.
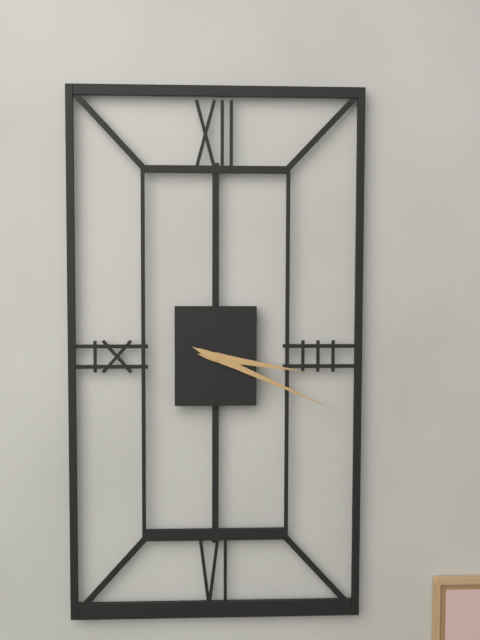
{"hour": 3, "minute": 19}
